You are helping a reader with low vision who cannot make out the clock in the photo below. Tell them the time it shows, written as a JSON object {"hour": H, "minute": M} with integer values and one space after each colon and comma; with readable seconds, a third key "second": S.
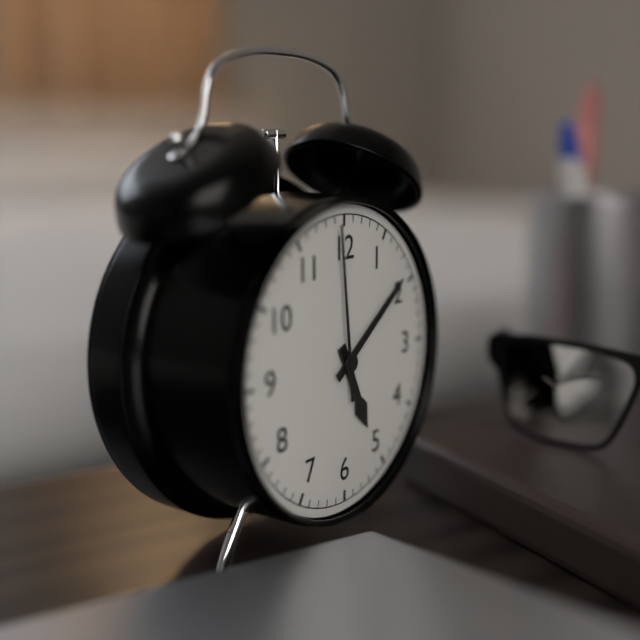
{"hour": 5, "minute": 9, "second": 59}
